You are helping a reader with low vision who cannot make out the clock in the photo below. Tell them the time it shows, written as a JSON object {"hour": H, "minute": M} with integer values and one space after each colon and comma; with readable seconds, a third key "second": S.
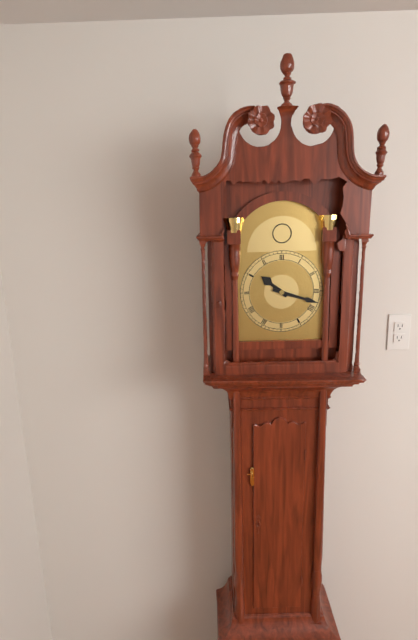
{"hour": 10, "minute": 18}
